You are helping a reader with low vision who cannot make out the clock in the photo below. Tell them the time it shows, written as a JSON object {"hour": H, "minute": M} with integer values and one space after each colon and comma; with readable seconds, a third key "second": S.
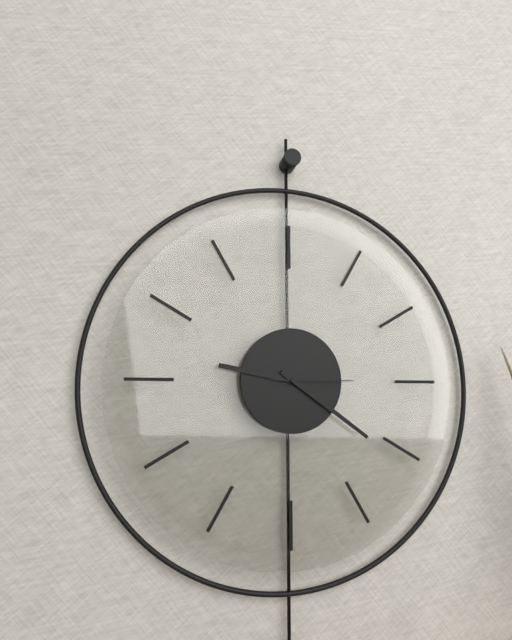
{"hour": 9, "minute": 21, "second": 15}
